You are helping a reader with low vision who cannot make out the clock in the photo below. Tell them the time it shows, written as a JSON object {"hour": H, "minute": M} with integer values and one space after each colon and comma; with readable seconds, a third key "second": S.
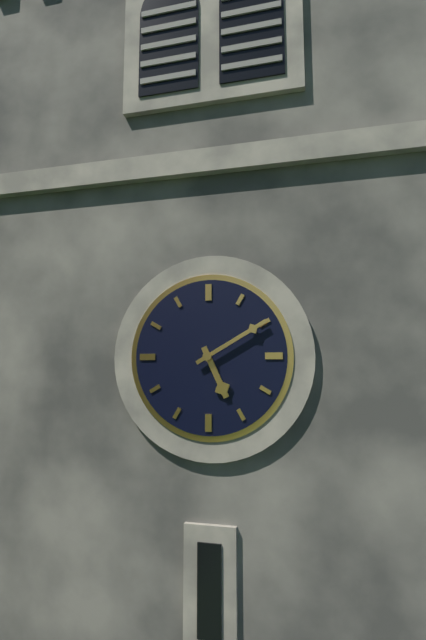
{"hour": 5, "minute": 10}
